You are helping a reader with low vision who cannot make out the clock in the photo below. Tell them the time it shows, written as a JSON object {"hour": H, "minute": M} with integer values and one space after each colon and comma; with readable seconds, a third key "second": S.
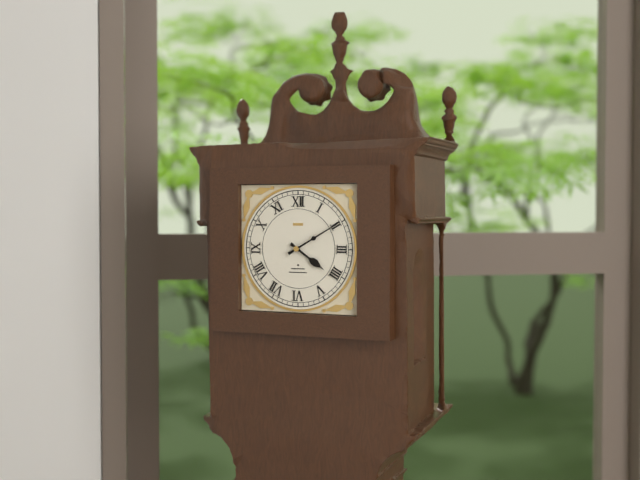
{"hour": 4, "minute": 10}
